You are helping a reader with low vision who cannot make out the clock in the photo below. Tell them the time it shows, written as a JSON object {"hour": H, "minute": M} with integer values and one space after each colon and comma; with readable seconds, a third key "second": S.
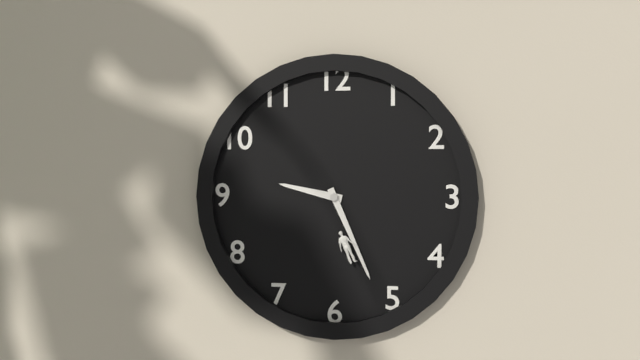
{"hour": 9, "minute": 26}
